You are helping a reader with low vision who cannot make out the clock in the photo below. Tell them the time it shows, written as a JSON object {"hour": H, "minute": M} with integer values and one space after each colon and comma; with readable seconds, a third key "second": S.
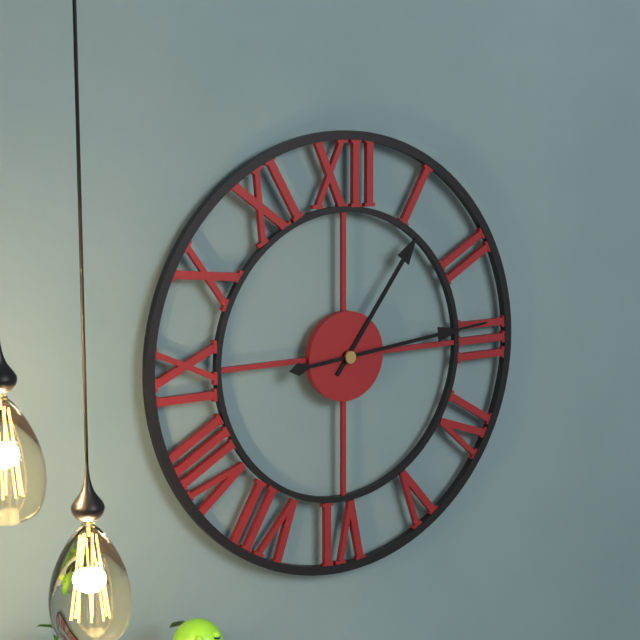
{"hour": 1, "minute": 14}
